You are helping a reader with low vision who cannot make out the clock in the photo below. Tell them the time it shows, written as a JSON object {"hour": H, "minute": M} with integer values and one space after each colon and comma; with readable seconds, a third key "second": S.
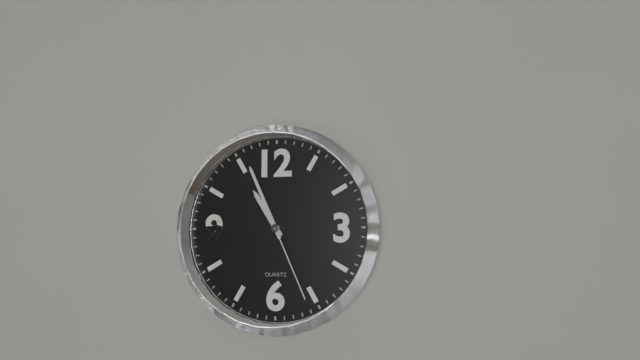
{"hour": 10, "minute": 56, "second": 26}
